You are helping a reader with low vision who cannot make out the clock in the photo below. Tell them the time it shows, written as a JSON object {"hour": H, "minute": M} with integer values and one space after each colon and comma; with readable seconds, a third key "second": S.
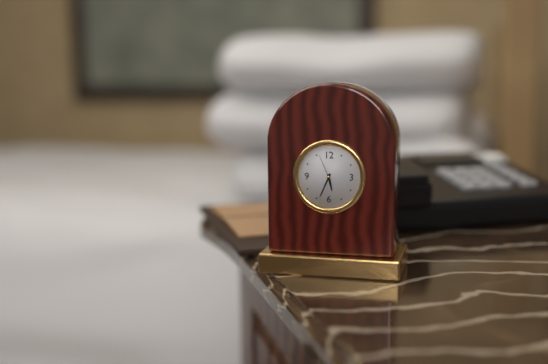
{"hour": 5, "minute": 34}
